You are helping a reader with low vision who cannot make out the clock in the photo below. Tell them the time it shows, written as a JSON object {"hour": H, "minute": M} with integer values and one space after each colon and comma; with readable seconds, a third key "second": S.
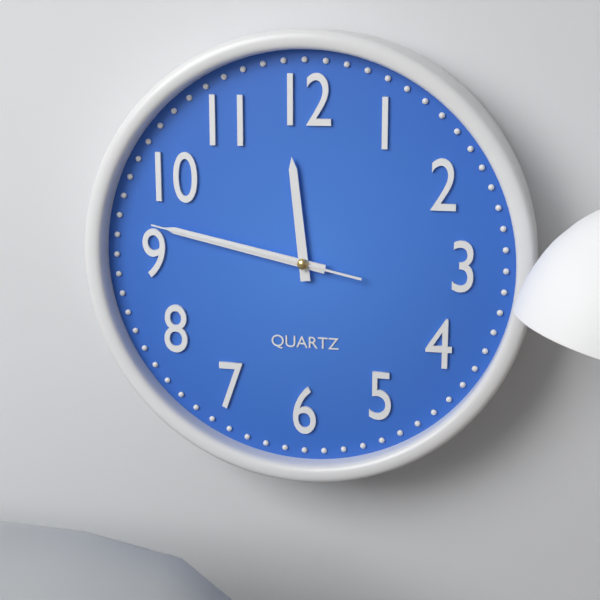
{"hour": 11, "minute": 47, "second": 47}
